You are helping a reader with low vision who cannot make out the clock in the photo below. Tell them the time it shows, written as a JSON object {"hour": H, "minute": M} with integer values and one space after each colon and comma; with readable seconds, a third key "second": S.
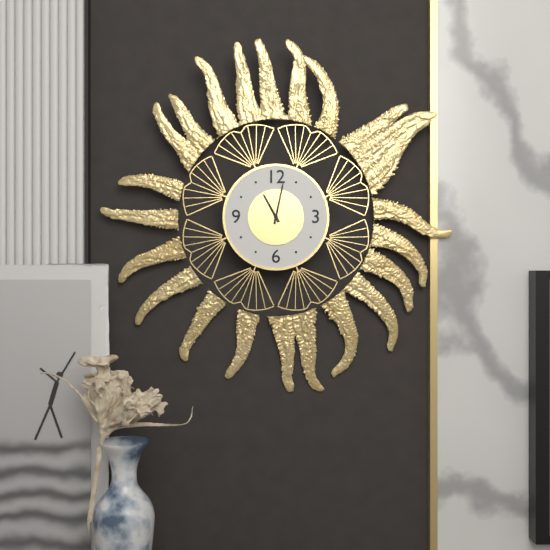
{"hour": 11, "minute": 2}
